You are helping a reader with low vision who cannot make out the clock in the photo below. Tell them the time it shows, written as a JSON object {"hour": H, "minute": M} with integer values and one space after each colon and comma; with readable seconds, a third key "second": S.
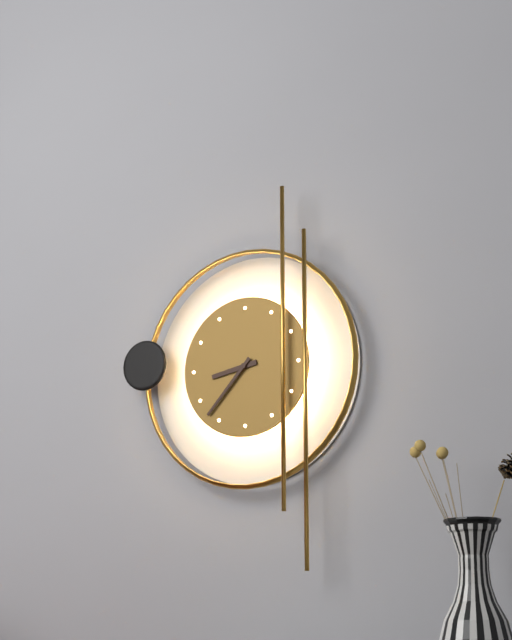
{"hour": 8, "minute": 37}
